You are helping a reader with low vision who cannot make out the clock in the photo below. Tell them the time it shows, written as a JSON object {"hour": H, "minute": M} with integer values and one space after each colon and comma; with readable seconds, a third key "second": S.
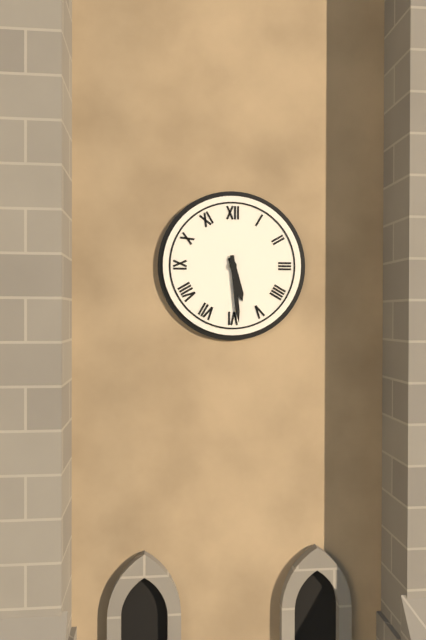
{"hour": 5, "minute": 29}
